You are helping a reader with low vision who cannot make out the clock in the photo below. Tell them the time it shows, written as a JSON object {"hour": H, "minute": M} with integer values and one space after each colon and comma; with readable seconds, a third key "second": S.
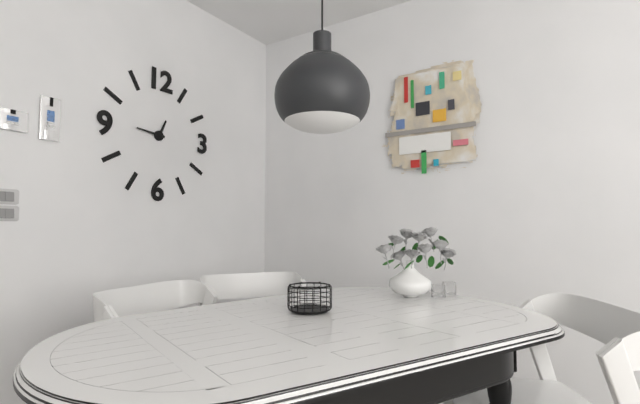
{"hour": 12, "minute": 46}
